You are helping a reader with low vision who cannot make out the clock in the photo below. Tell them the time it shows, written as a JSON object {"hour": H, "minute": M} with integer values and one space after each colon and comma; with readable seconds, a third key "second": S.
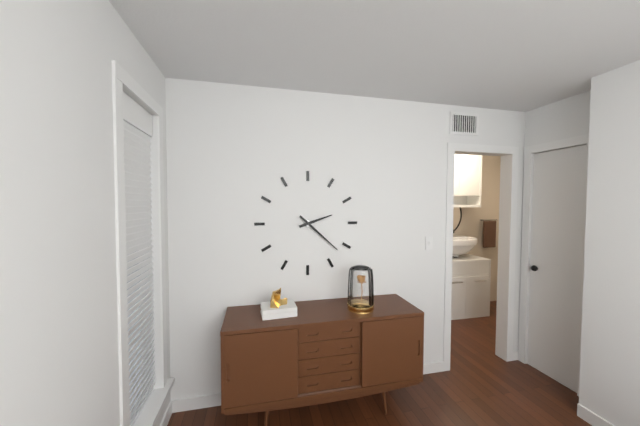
{"hour": 2, "minute": 22}
